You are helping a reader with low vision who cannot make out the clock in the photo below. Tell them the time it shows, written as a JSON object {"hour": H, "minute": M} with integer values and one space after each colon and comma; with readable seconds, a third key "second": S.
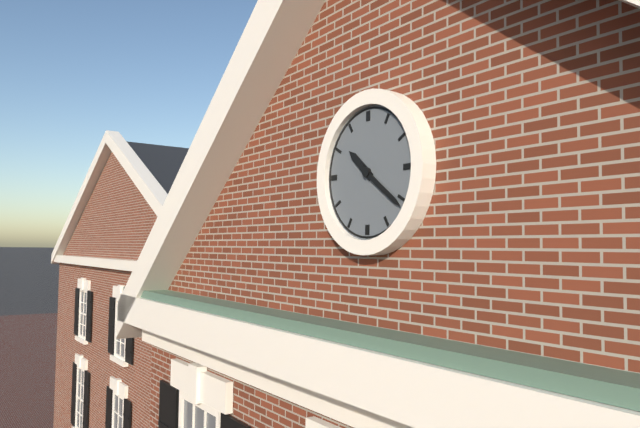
{"hour": 10, "minute": 21}
